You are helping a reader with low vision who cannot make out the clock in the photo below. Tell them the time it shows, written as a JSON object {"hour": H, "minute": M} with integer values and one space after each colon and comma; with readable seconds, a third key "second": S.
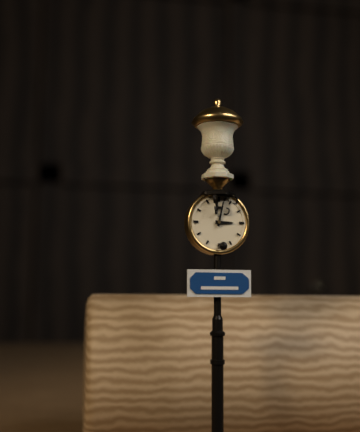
{"hour": 3, "minute": 2}
